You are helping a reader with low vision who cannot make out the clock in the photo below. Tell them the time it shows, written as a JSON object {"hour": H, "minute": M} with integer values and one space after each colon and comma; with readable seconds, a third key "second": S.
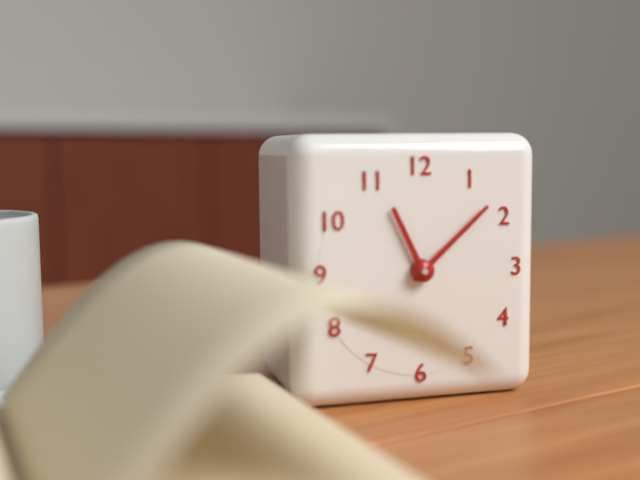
{"hour": 11, "minute": 8}
